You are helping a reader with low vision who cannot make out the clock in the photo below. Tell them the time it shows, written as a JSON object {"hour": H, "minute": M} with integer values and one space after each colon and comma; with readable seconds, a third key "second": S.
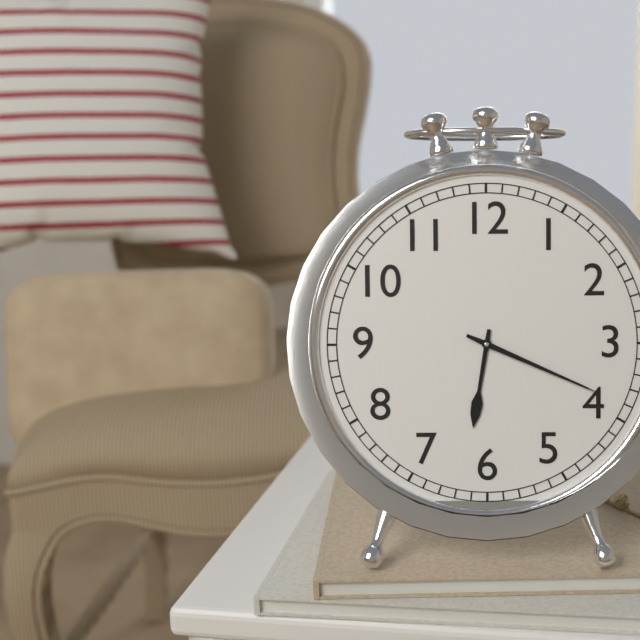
{"hour": 6, "minute": 19}
